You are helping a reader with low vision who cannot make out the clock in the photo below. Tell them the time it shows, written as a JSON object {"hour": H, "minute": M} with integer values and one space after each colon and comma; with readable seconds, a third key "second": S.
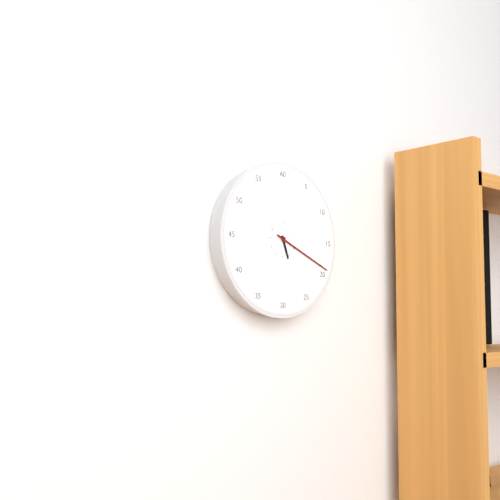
{"hour": 5, "minute": 19}
